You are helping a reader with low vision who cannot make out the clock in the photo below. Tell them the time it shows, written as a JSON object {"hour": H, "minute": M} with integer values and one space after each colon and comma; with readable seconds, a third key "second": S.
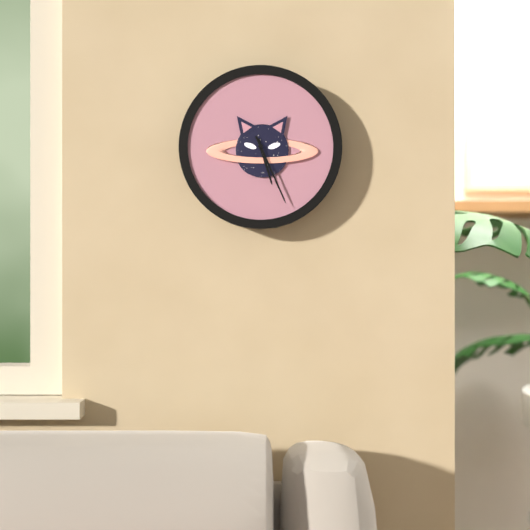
{"hour": 5, "minute": 26}
